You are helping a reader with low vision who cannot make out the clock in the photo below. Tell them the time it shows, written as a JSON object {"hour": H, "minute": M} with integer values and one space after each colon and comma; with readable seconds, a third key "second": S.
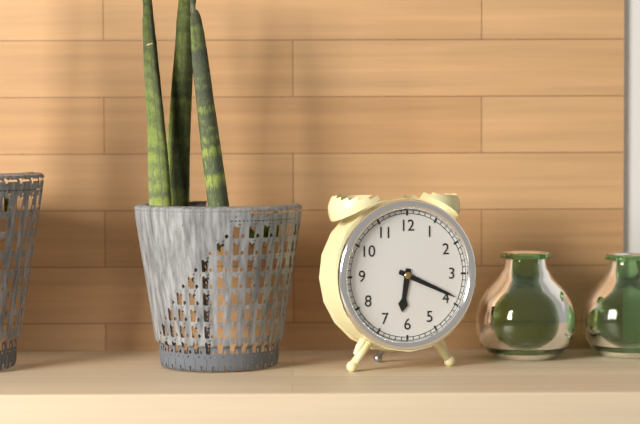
{"hour": 6, "minute": 19}
